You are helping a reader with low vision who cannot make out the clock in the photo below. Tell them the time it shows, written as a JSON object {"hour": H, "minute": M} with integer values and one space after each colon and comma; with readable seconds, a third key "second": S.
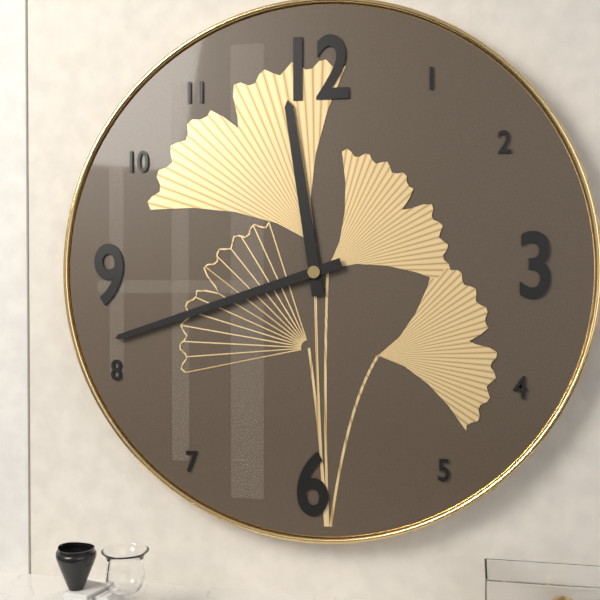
{"hour": 11, "minute": 42}
